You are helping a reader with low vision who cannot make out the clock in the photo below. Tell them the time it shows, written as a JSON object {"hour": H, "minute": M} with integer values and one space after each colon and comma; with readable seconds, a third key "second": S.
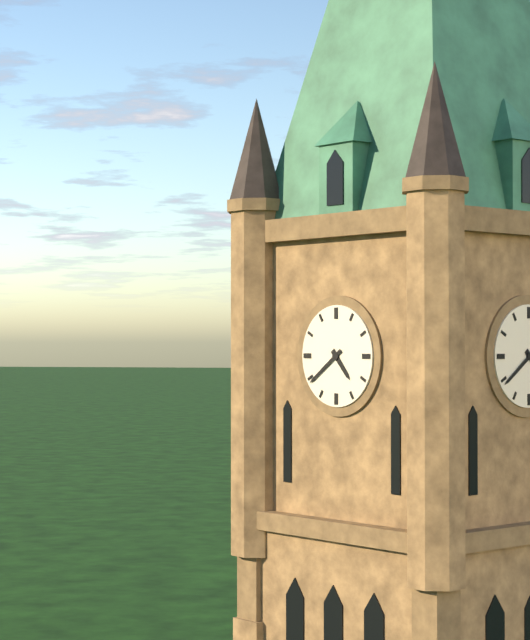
{"hour": 4, "minute": 39}
